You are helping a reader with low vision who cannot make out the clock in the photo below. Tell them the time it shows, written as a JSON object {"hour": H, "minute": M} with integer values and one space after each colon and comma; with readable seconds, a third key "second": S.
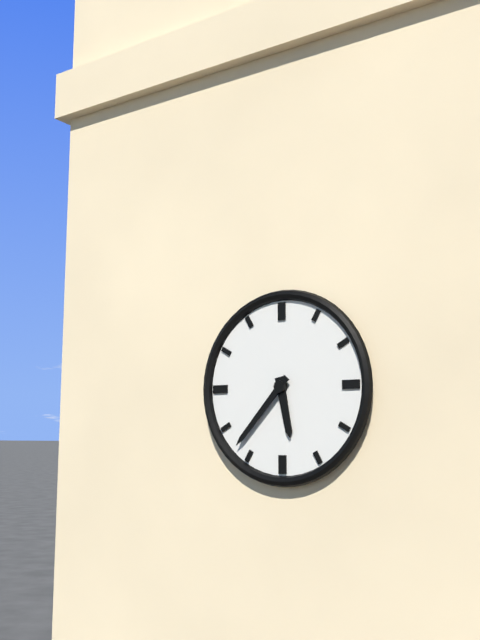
{"hour": 5, "minute": 37}
